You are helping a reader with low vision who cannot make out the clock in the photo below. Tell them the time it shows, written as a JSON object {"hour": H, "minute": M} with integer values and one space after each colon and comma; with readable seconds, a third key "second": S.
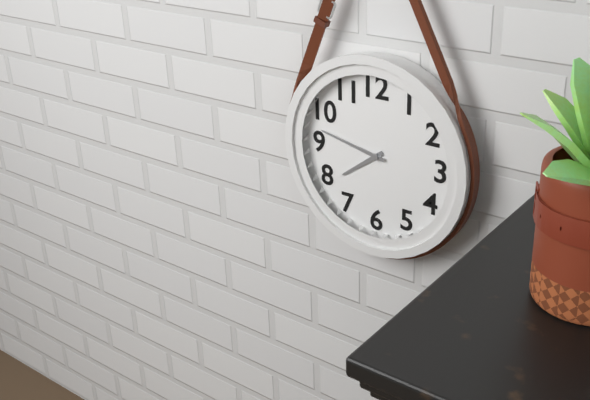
{"hour": 7, "minute": 47}
